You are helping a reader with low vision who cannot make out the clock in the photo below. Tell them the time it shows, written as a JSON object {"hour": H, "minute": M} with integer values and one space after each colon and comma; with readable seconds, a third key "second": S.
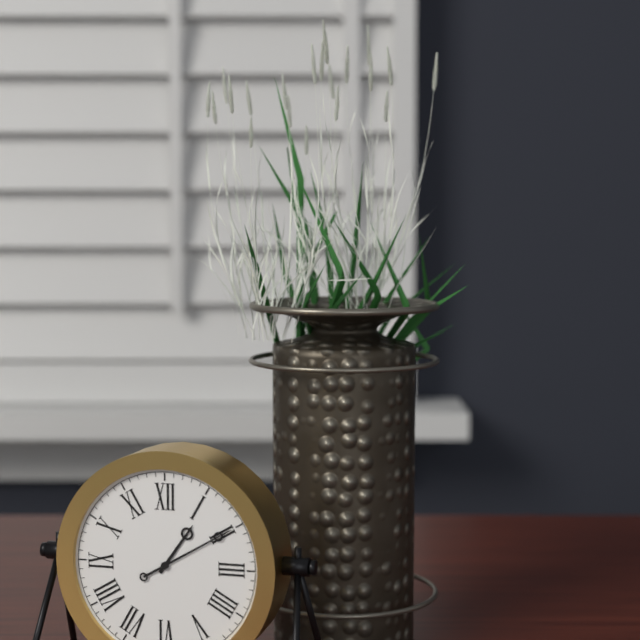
{"hour": 1, "minute": 10}
